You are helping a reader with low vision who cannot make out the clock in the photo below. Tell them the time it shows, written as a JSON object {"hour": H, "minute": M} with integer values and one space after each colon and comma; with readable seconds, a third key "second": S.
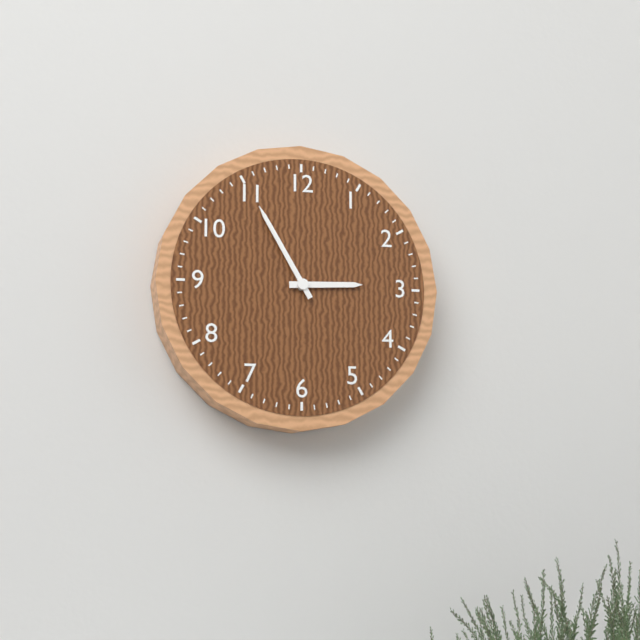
{"hour": 2, "minute": 55}
